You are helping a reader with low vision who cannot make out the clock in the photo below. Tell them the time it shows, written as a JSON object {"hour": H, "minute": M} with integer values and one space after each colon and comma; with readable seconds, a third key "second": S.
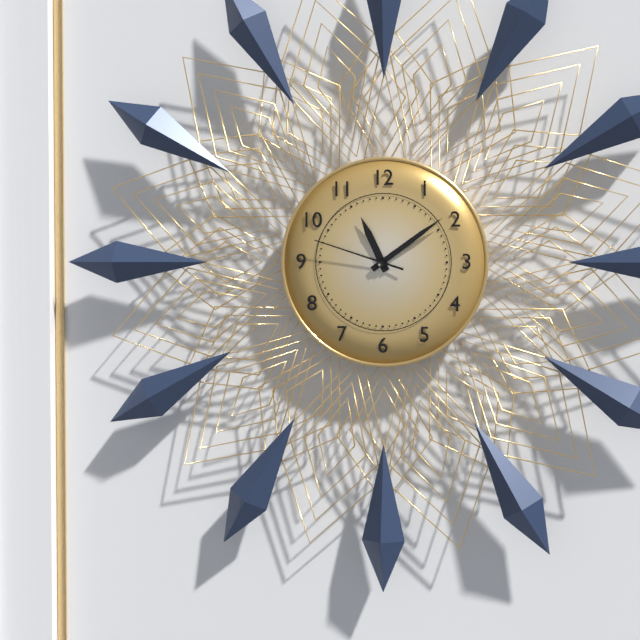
{"hour": 11, "minute": 9, "second": 48}
